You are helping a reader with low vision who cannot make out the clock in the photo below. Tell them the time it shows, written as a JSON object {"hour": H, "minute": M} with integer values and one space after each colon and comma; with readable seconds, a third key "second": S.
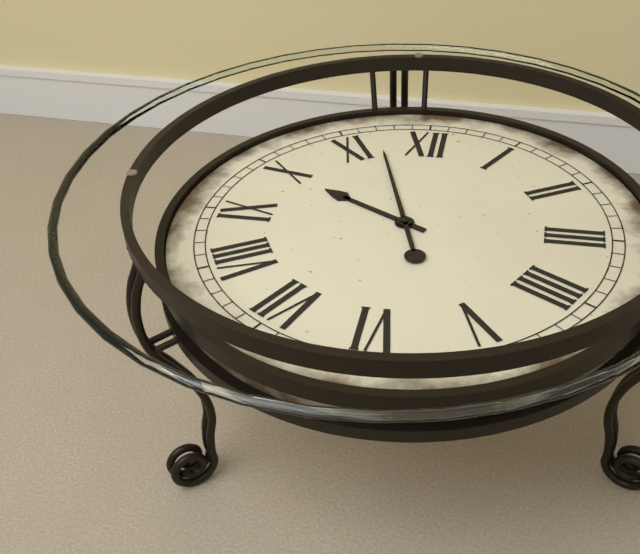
{"hour": 9, "minute": 57}
